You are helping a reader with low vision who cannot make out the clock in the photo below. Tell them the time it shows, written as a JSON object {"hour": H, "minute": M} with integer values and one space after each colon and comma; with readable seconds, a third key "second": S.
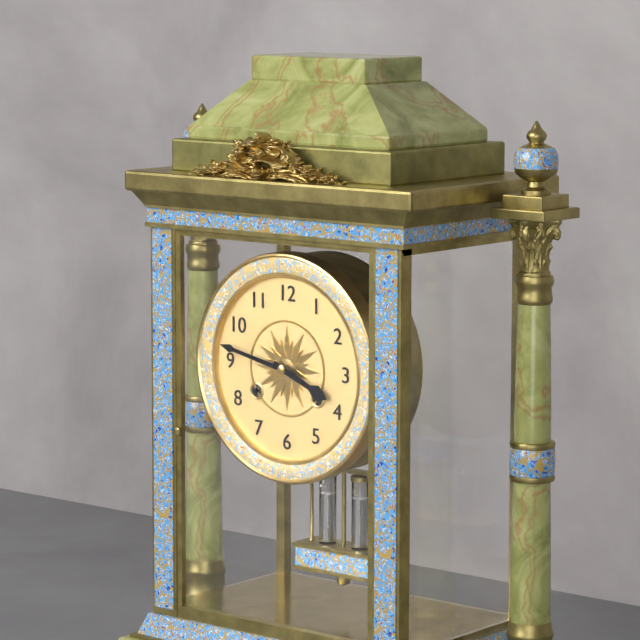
{"hour": 3, "minute": 47}
